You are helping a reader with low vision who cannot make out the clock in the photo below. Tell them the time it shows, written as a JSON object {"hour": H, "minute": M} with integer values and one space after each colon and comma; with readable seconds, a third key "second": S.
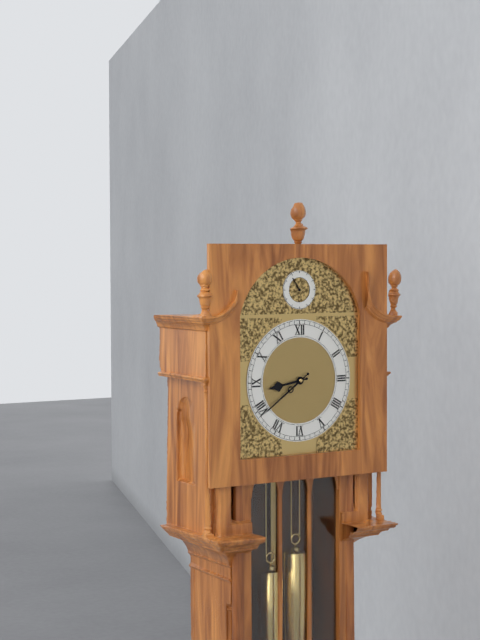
{"hour": 8, "minute": 39}
